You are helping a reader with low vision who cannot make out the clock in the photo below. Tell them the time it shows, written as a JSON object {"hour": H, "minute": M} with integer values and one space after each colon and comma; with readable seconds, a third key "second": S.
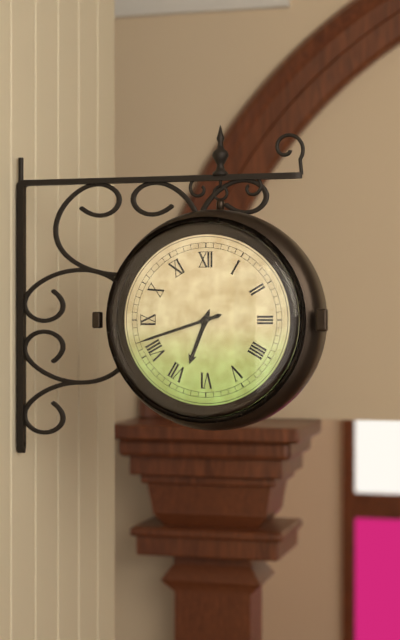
{"hour": 6, "minute": 42}
